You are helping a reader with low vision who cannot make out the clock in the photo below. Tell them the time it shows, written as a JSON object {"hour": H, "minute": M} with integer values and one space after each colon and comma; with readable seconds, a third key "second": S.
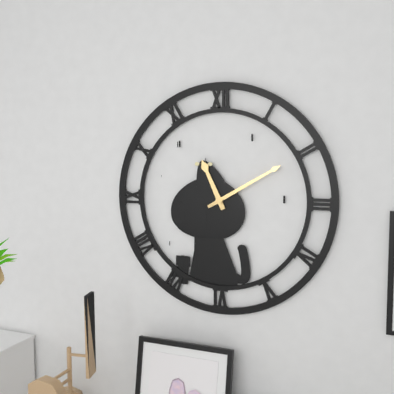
{"hour": 11, "minute": 10}
